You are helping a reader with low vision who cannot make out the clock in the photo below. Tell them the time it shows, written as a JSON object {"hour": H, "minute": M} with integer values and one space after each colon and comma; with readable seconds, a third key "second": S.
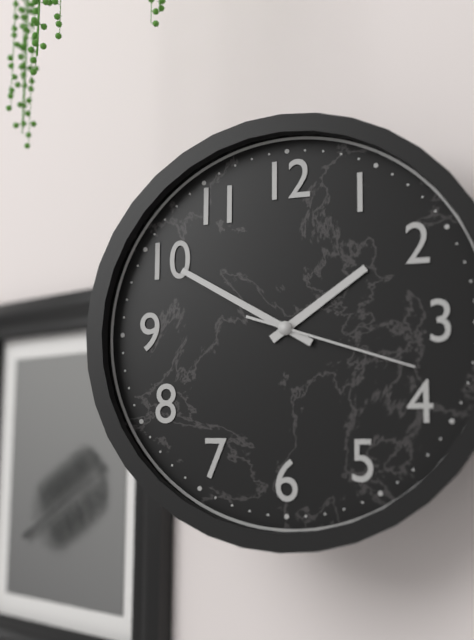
{"hour": 1, "minute": 50, "second": 18}
